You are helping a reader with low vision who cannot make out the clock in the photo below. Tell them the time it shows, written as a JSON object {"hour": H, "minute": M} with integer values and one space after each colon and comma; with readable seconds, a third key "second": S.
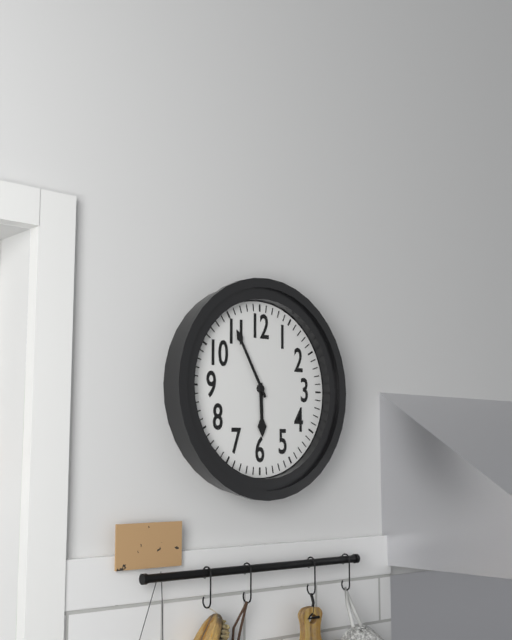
{"hour": 5, "minute": 55}
